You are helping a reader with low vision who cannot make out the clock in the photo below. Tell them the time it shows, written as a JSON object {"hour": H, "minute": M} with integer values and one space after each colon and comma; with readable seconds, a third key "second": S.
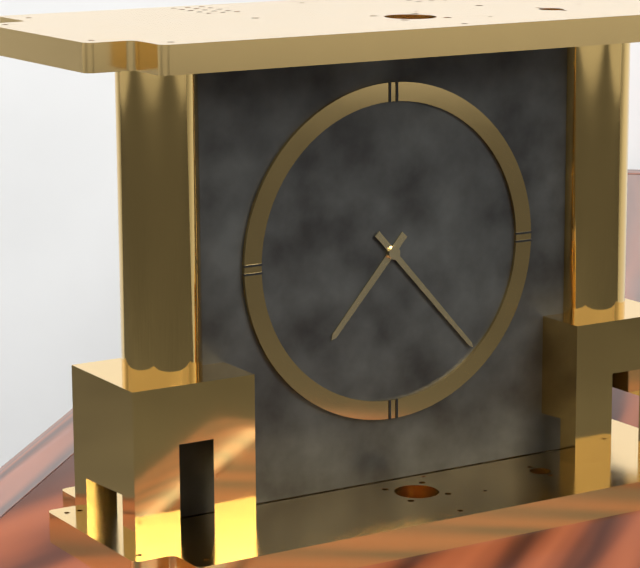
{"hour": 7, "minute": 23}
